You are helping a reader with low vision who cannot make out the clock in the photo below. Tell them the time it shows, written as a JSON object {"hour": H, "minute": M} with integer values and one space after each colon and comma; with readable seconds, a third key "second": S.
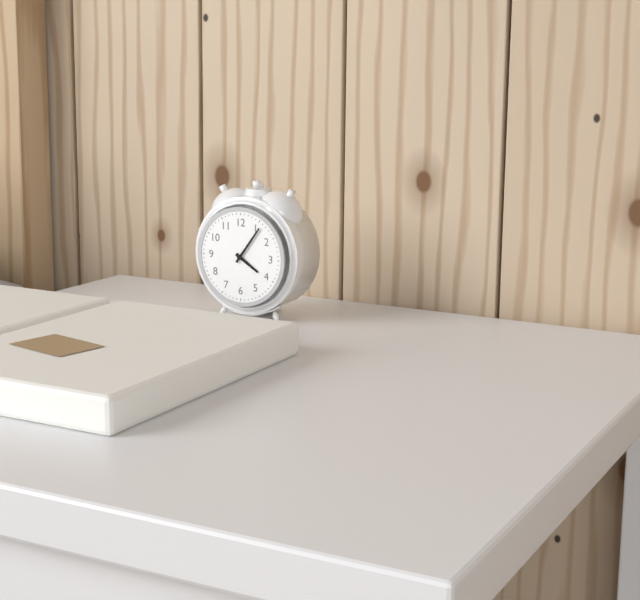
{"hour": 4, "minute": 6}
